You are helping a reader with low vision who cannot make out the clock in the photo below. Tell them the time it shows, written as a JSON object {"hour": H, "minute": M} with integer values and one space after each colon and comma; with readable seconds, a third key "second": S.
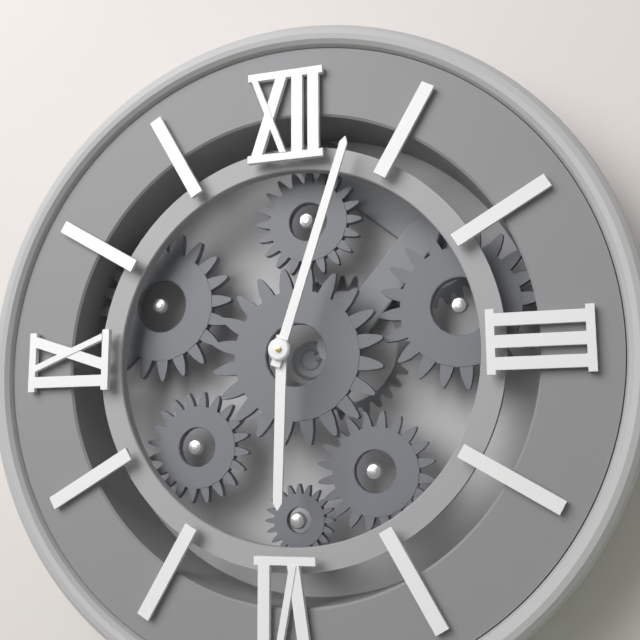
{"hour": 6, "minute": 3}
